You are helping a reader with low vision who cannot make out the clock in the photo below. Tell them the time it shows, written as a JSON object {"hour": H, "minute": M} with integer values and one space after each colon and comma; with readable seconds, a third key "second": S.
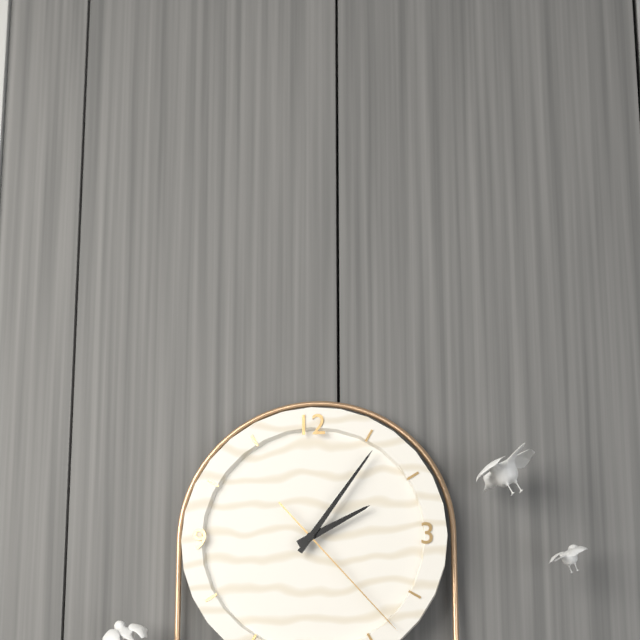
{"hour": 2, "minute": 6, "second": 23}
